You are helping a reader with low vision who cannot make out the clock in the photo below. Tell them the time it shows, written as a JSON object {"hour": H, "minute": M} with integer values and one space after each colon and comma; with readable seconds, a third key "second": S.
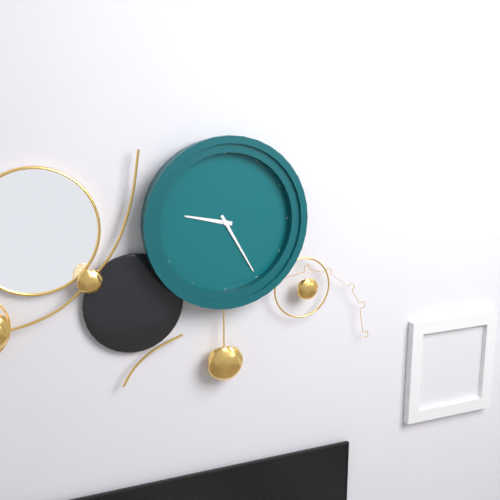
{"hour": 9, "minute": 25}
